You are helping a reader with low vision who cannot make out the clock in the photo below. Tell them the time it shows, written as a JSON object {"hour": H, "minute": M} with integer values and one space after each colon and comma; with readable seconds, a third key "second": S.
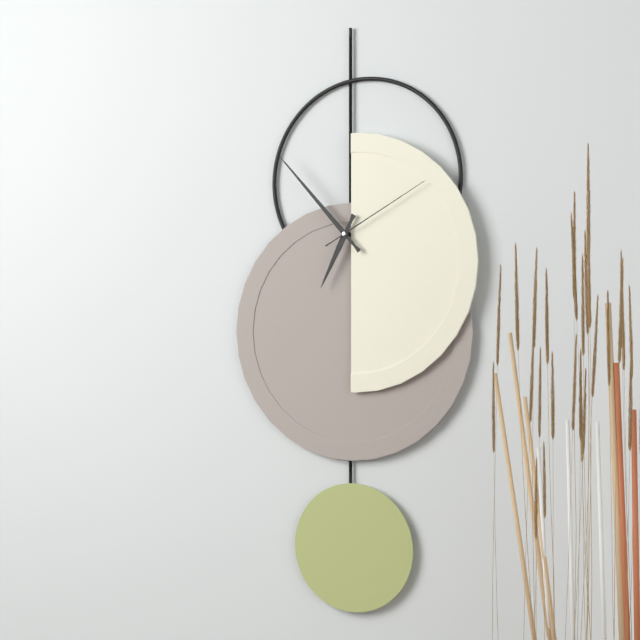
{"hour": 6, "minute": 53, "second": 10}
